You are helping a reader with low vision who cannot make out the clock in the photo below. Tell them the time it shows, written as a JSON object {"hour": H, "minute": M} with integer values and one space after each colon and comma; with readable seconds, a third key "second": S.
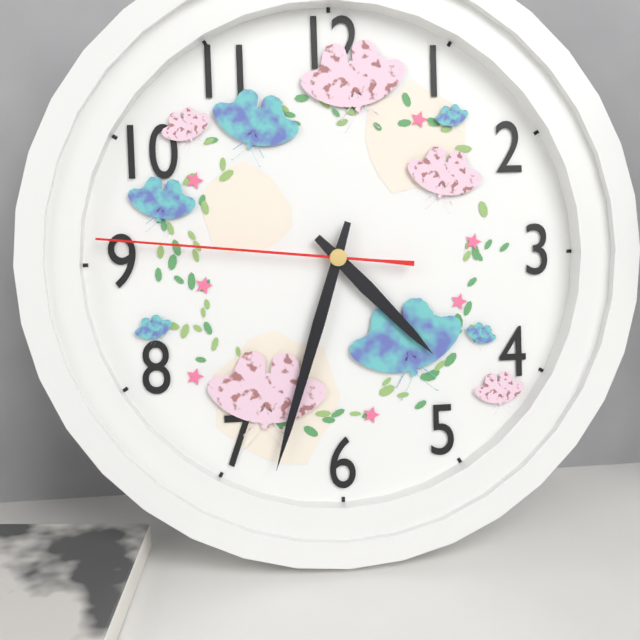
{"hour": 4, "minute": 33, "second": 46}
